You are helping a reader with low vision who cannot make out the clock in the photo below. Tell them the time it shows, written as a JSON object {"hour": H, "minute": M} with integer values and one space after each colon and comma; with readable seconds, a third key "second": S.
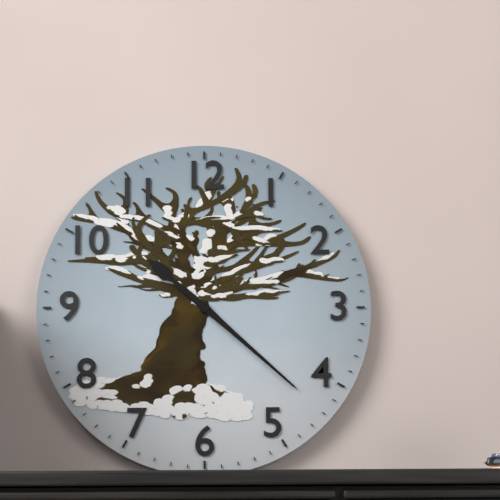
{"hour": 10, "minute": 22}
